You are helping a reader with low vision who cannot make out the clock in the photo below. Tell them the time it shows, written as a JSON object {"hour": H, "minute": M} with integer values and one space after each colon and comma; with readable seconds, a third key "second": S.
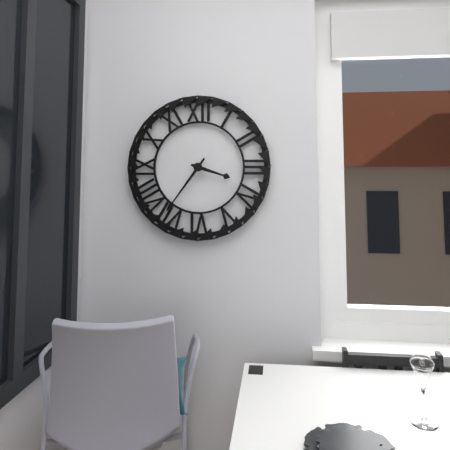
{"hour": 3, "minute": 36}
